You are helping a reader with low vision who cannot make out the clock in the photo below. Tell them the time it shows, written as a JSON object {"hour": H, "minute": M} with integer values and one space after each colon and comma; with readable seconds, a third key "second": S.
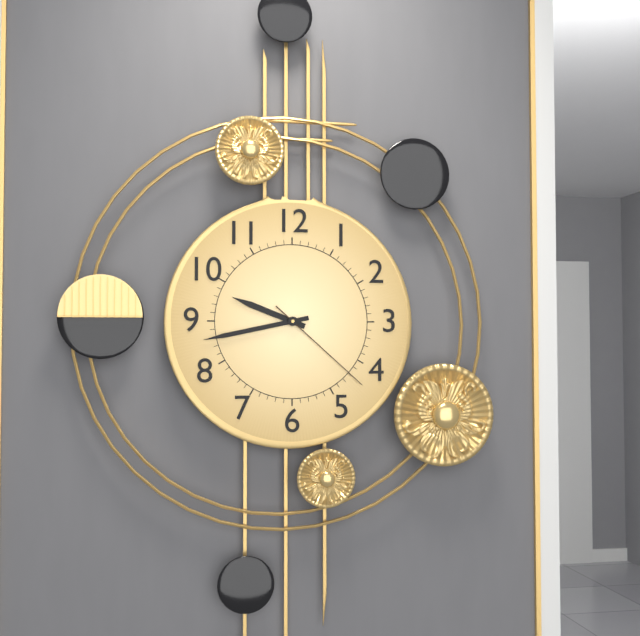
{"hour": 9, "minute": 43, "second": 22}
